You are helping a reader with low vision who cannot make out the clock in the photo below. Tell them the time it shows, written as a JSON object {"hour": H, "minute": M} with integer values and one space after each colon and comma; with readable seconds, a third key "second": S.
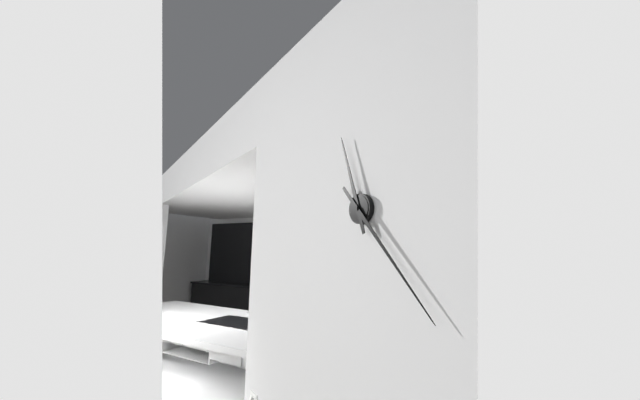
{"hour": 11, "minute": 23}
